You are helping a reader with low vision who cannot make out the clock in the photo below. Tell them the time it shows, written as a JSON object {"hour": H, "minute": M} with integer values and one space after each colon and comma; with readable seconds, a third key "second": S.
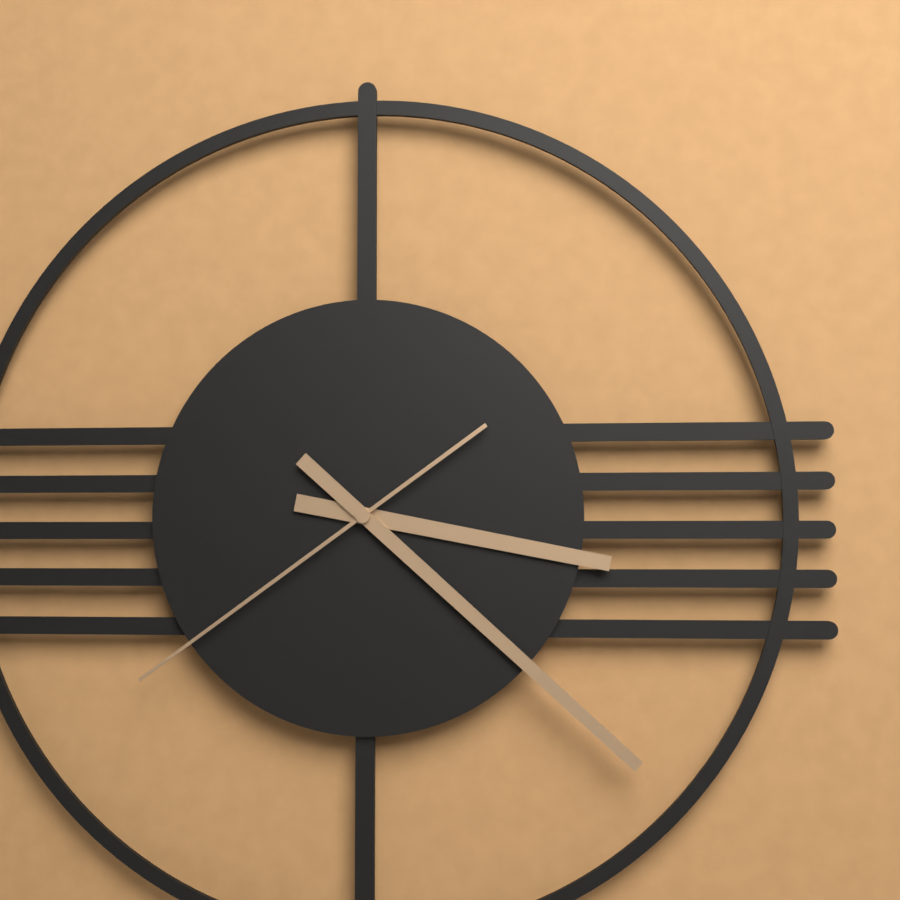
{"hour": 3, "minute": 22, "second": 39}
